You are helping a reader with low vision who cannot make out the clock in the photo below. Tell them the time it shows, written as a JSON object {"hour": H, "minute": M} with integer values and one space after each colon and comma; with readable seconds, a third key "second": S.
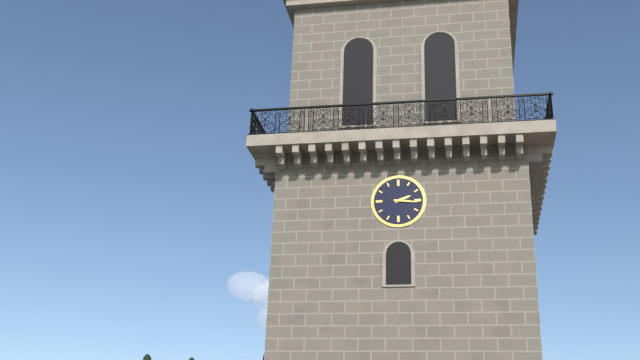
{"hour": 2, "minute": 16}
